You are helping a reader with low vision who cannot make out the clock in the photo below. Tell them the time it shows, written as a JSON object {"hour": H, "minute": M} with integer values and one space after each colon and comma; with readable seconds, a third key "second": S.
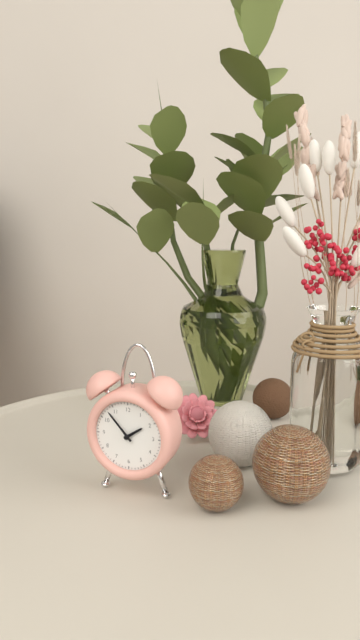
{"hour": 1, "minute": 53}
